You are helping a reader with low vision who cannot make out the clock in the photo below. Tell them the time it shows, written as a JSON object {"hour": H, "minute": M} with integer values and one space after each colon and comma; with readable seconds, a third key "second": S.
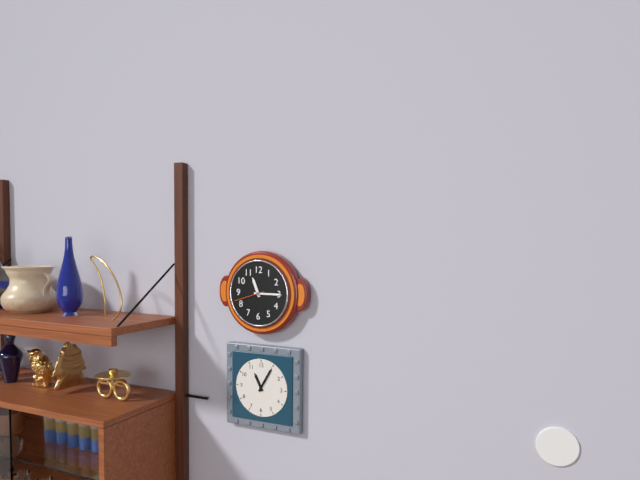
{"hour": 11, "minute": 15}
